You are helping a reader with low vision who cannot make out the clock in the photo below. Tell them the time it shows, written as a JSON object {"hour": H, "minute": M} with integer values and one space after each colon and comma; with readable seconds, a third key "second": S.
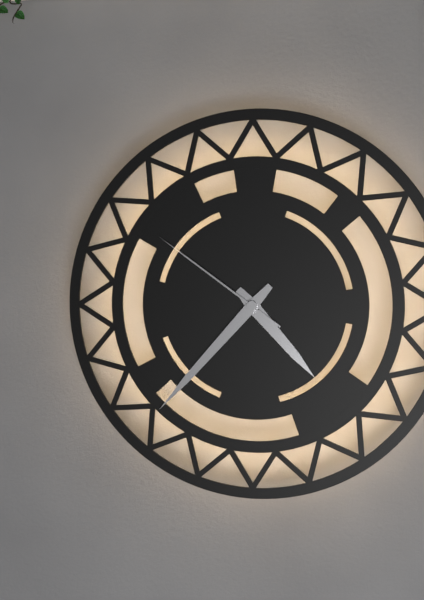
{"hour": 4, "minute": 37, "second": 51}
